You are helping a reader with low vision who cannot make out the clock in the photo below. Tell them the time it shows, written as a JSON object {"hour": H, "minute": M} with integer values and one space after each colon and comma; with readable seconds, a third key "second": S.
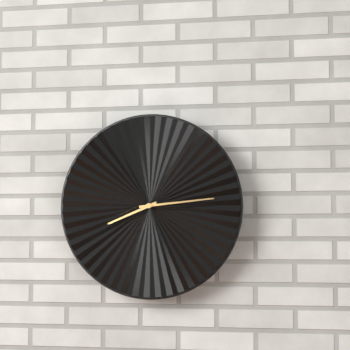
{"hour": 8, "minute": 14}
